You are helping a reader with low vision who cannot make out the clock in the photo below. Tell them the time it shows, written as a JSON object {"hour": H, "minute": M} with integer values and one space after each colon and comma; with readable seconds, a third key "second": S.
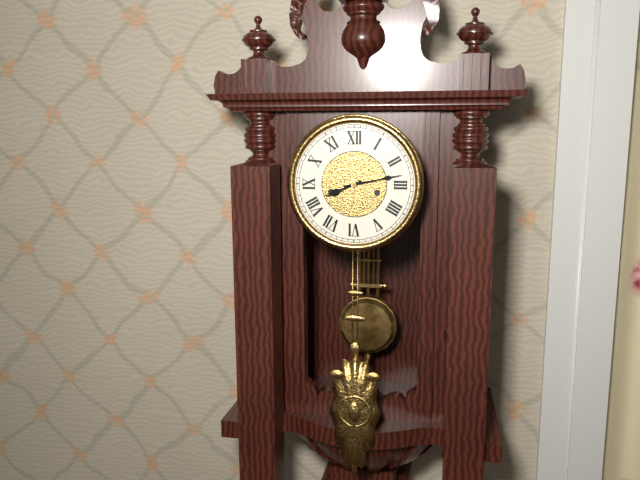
{"hour": 8, "minute": 13}
